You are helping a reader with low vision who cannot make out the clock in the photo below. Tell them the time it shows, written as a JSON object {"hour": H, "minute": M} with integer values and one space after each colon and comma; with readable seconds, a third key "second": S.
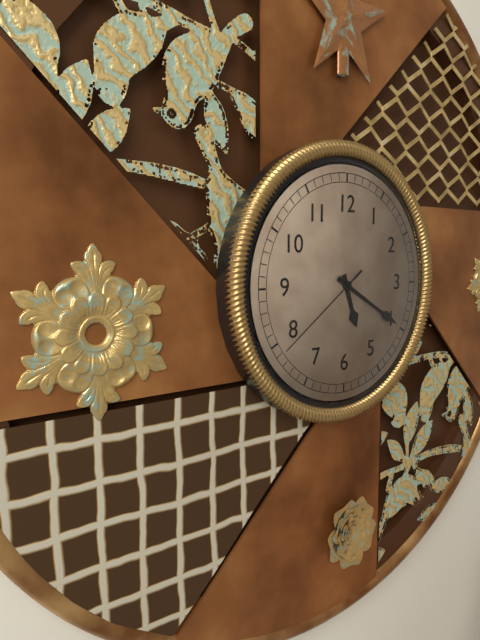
{"hour": 5, "minute": 20, "second": 39}
